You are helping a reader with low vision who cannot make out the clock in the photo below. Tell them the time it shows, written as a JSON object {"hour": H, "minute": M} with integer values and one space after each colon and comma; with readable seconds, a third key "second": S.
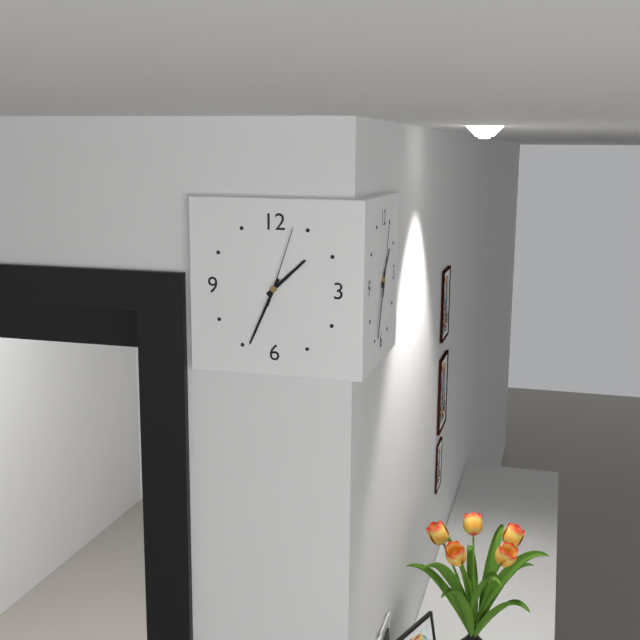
{"hour": 1, "minute": 34, "second": 3}
